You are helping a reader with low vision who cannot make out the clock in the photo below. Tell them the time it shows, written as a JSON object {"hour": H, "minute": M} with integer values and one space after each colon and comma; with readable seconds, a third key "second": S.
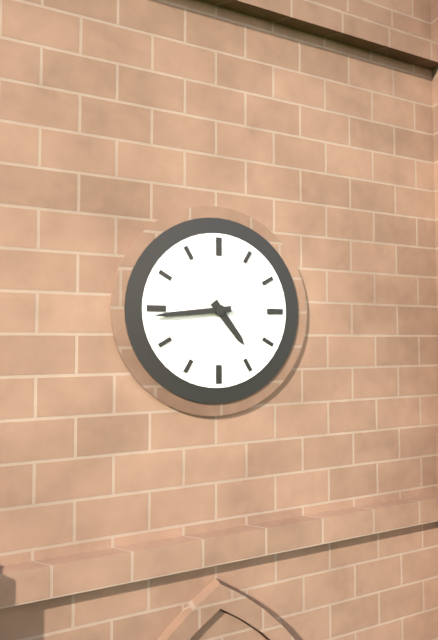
{"hour": 4, "minute": 44}
